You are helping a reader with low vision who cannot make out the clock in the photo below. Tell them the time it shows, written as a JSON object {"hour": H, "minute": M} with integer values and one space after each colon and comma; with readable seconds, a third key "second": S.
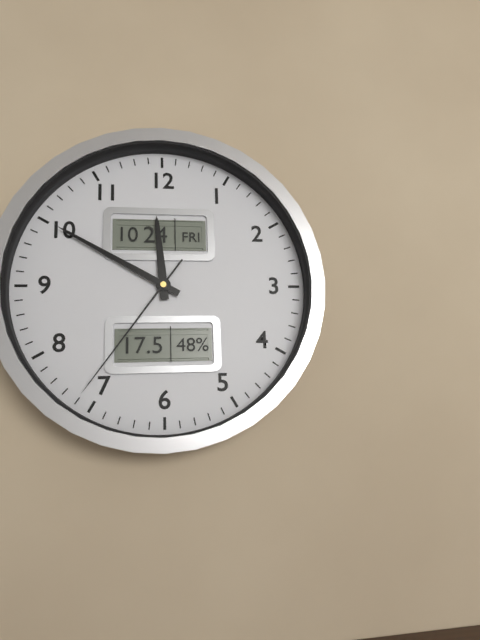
{"hour": 11, "minute": 50, "second": 36}
